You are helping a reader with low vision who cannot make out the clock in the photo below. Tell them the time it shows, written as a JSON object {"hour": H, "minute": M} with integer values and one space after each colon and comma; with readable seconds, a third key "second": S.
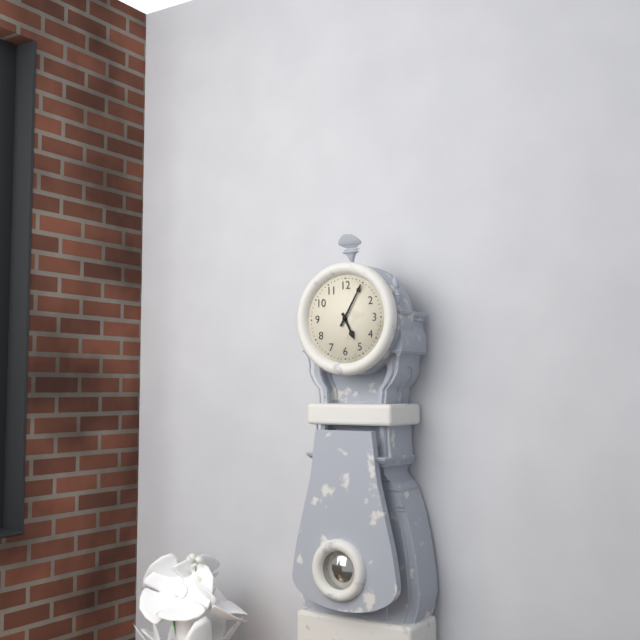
{"hour": 5, "minute": 5}
